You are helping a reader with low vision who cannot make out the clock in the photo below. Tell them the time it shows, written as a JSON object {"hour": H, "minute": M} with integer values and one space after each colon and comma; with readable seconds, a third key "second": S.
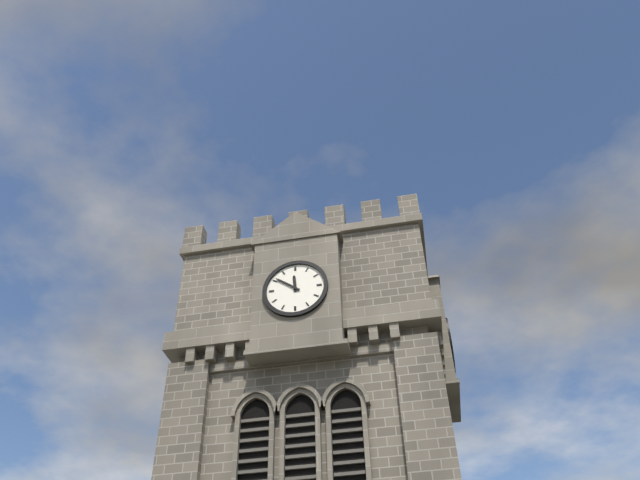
{"hour": 11, "minute": 51}
